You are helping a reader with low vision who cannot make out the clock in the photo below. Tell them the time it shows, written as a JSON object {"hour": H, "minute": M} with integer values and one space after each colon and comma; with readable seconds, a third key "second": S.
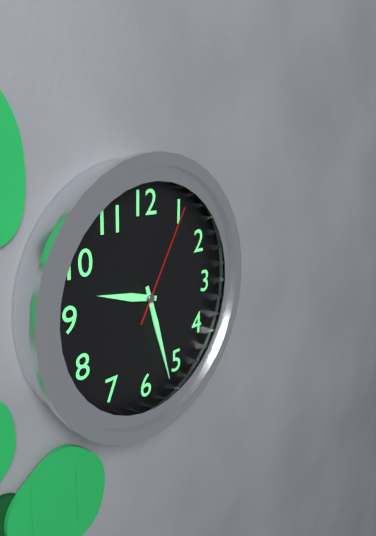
{"hour": 9, "minute": 27, "second": 5}
